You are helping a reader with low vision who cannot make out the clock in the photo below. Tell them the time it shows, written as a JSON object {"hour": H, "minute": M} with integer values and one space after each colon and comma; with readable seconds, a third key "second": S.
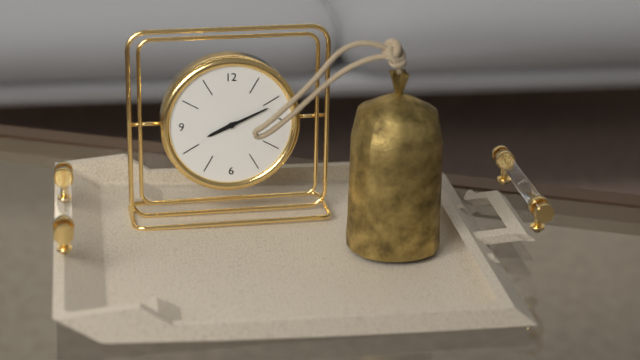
{"hour": 8, "minute": 11}
